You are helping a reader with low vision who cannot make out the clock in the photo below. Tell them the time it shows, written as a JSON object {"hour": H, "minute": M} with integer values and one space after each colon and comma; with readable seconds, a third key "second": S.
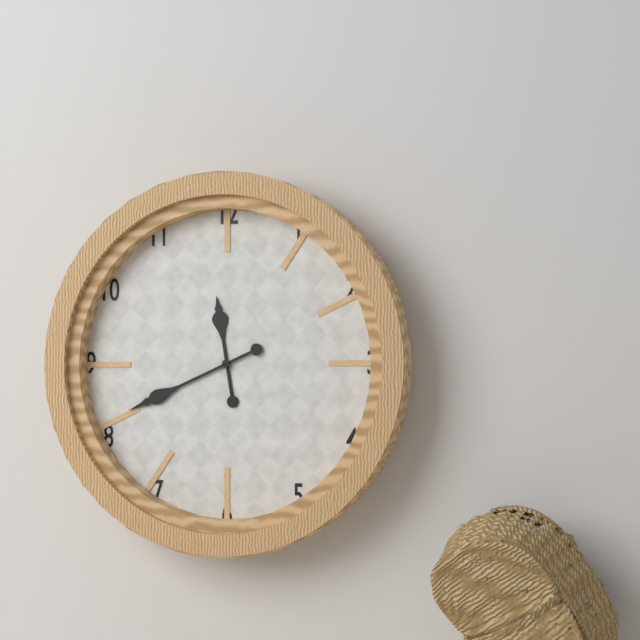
{"hour": 11, "minute": 41}
